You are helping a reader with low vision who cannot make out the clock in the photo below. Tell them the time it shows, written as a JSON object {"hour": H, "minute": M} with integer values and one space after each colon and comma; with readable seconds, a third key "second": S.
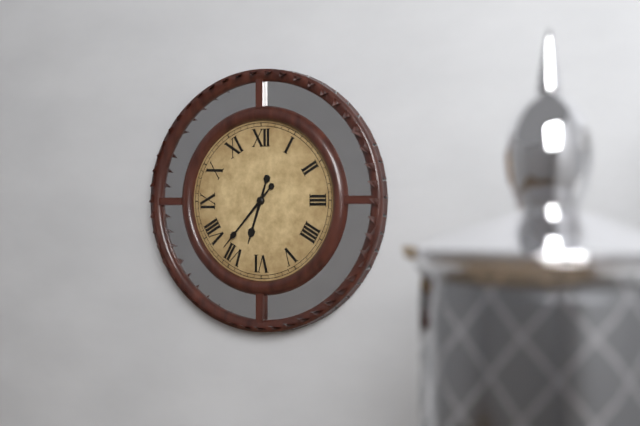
{"hour": 6, "minute": 37}
